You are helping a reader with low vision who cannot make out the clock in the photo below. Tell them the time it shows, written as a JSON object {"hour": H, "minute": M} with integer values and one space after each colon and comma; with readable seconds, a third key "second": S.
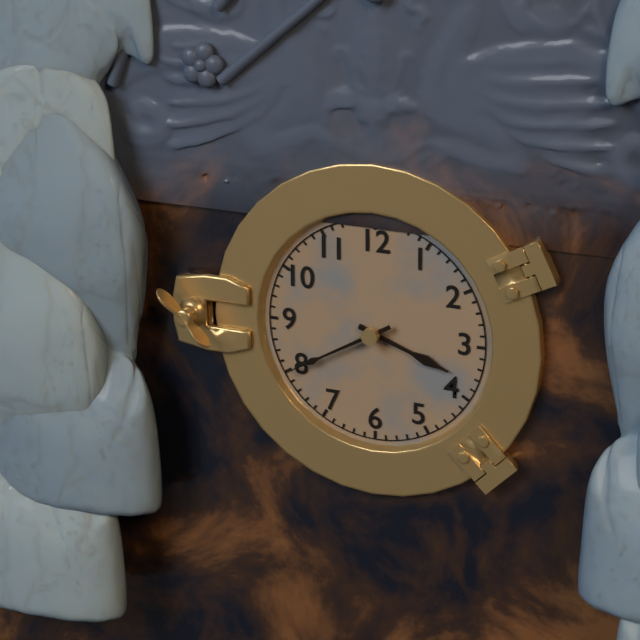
{"hour": 3, "minute": 40}
